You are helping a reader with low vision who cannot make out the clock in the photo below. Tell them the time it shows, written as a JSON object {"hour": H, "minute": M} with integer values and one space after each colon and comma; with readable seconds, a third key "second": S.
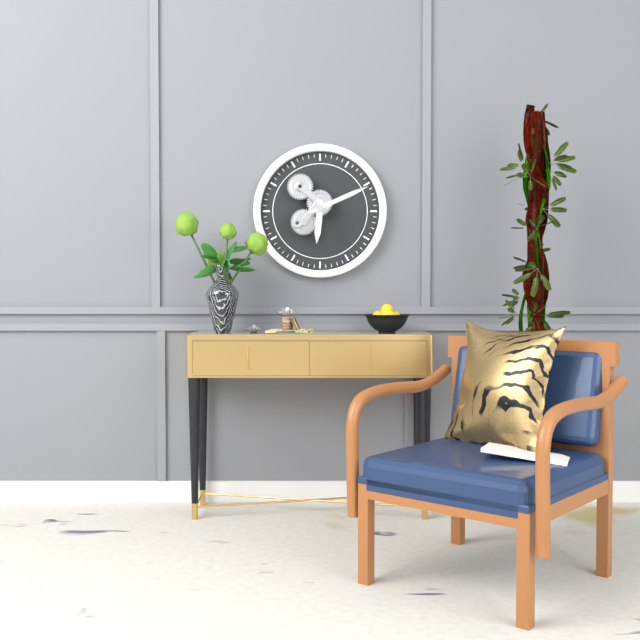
{"hour": 6, "minute": 11}
